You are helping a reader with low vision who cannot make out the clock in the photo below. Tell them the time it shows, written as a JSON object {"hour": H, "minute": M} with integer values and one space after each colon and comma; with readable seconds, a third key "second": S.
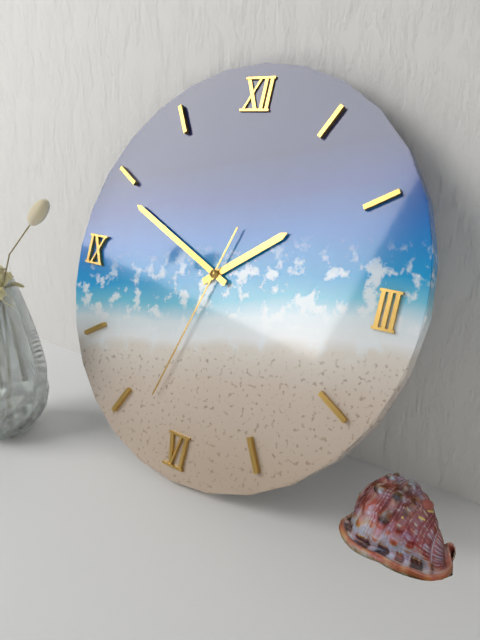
{"hour": 1, "minute": 49, "second": 33}
